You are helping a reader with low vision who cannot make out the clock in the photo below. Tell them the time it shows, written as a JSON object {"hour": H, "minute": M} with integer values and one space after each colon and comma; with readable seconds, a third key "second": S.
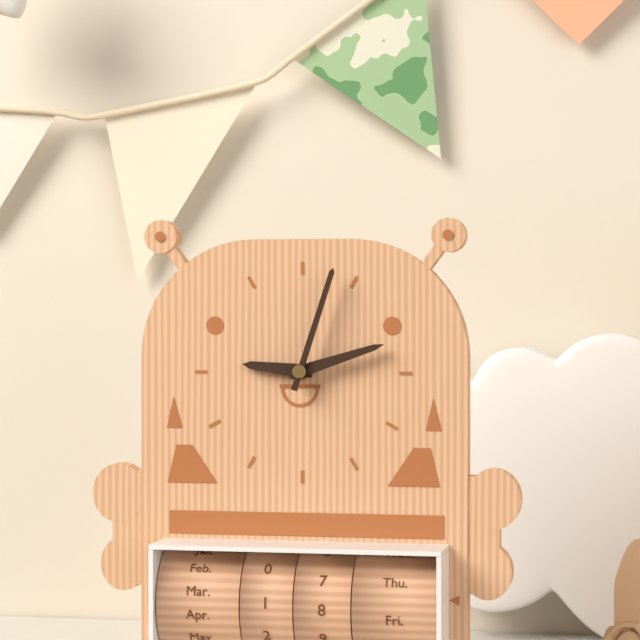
{"hour": 9, "minute": 12, "second": 3}
